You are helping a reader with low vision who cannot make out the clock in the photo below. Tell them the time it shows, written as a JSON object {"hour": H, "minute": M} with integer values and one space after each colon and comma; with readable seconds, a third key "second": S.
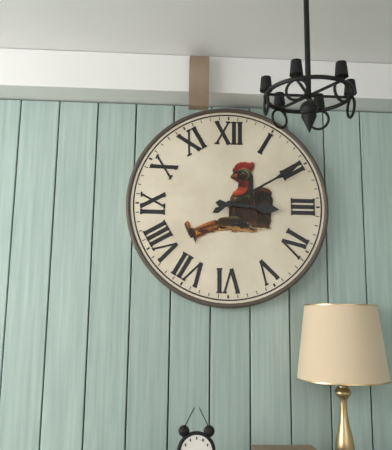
{"hour": 3, "minute": 10}
